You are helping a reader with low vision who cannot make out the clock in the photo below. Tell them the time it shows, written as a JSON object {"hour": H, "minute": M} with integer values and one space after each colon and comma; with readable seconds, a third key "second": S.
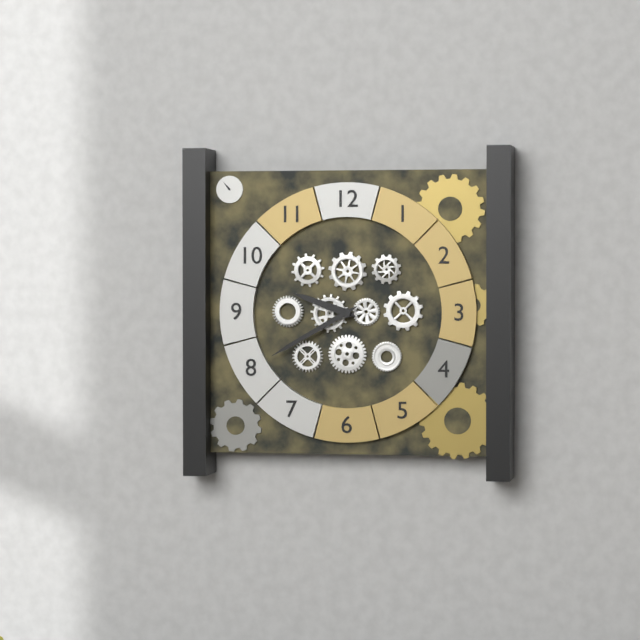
{"hour": 9, "minute": 40}
